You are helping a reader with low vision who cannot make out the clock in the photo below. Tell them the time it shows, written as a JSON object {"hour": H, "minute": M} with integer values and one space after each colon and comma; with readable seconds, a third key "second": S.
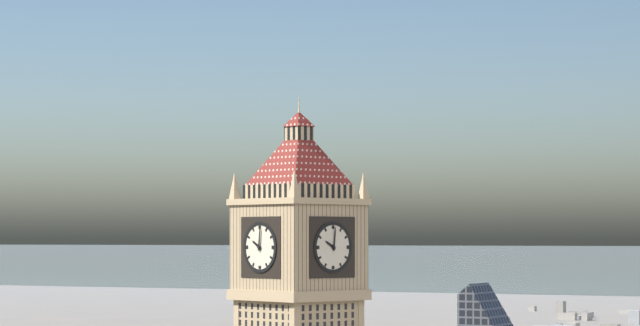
{"hour": 10, "minute": 1}
